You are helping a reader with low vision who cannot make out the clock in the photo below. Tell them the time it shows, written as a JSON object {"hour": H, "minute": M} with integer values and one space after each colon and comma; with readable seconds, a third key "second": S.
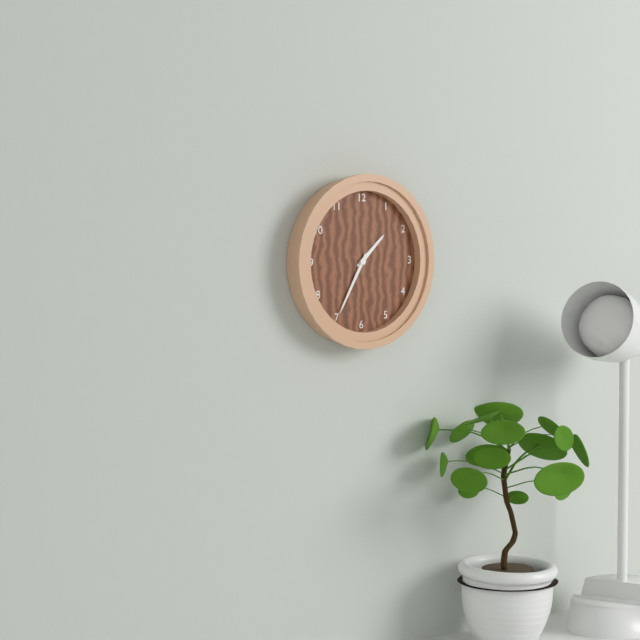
{"hour": 1, "minute": 35}
